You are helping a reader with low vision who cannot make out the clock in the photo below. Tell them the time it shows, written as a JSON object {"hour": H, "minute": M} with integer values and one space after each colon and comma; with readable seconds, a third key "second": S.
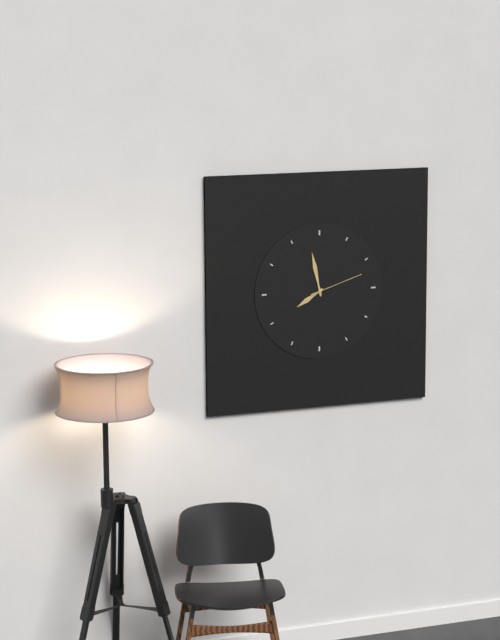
{"hour": 7, "minute": 58, "second": 12}
